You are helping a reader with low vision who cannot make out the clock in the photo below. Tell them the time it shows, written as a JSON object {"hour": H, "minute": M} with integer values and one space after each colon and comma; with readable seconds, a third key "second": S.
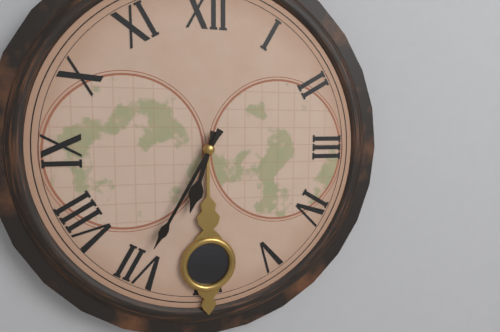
{"hour": 6, "minute": 35}
